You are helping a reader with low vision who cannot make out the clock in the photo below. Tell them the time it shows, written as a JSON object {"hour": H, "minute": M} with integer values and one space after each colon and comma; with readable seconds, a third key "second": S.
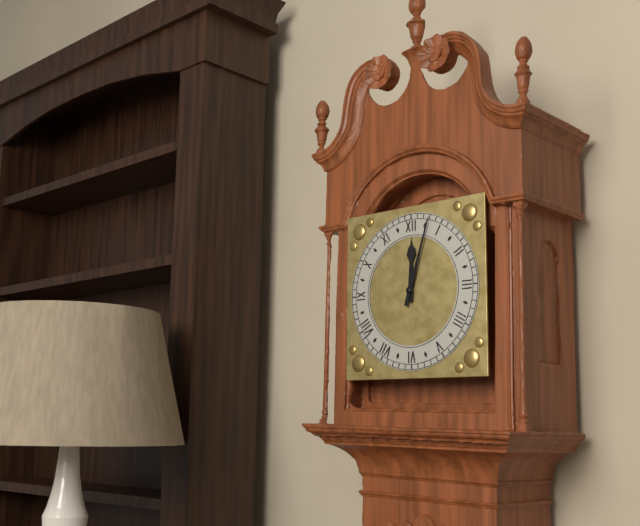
{"hour": 12, "minute": 3}
